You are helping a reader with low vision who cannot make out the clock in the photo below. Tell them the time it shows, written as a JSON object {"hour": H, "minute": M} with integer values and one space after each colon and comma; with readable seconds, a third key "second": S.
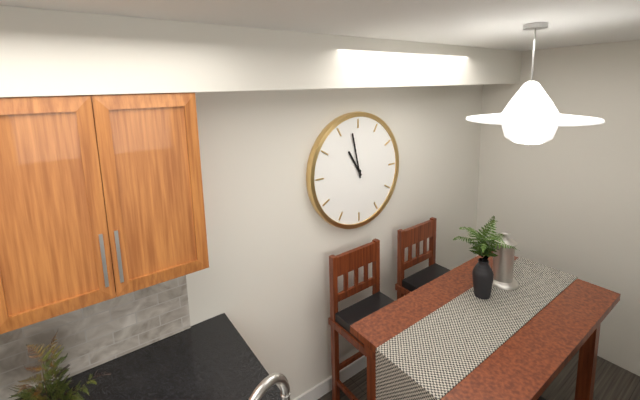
{"hour": 10, "minute": 58}
